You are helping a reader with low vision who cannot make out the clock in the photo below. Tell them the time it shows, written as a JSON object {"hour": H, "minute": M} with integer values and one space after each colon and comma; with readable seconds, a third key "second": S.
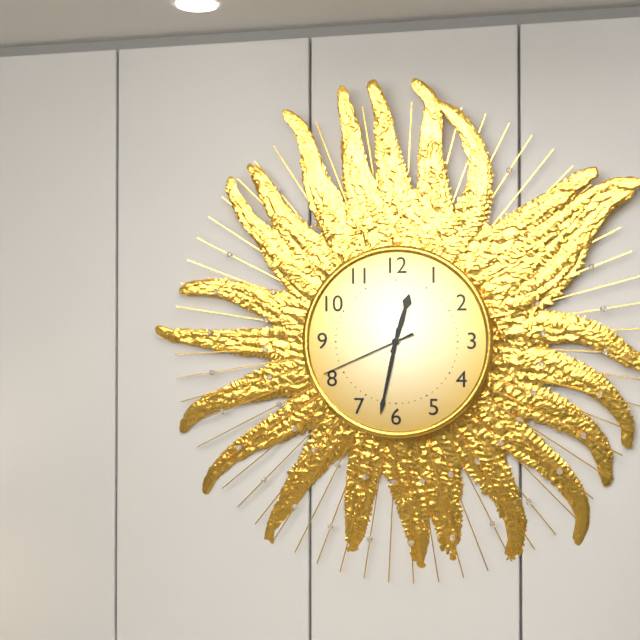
{"hour": 12, "minute": 32, "second": 41}
